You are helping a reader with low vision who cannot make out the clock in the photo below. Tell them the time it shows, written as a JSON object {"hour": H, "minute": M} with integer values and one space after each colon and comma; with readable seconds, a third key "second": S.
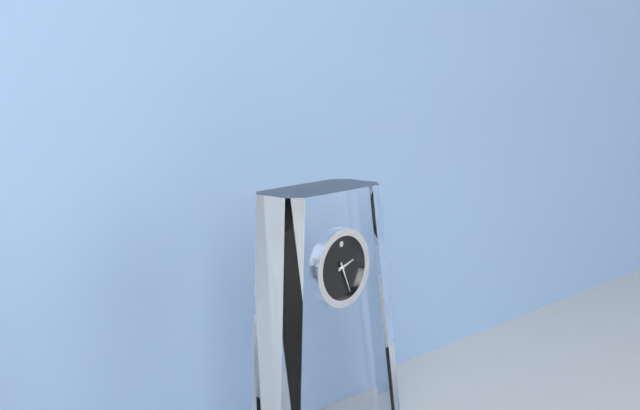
{"hour": 2, "minute": 26}
